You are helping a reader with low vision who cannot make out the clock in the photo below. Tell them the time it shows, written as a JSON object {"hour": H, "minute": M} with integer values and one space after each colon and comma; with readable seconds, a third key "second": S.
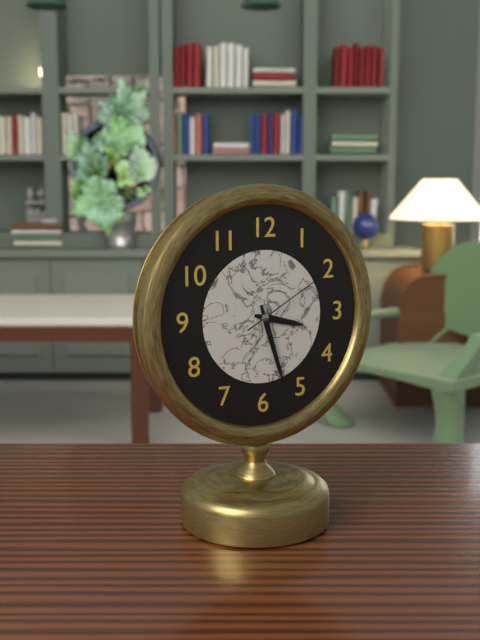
{"hour": 3, "minute": 27, "second": 10}
